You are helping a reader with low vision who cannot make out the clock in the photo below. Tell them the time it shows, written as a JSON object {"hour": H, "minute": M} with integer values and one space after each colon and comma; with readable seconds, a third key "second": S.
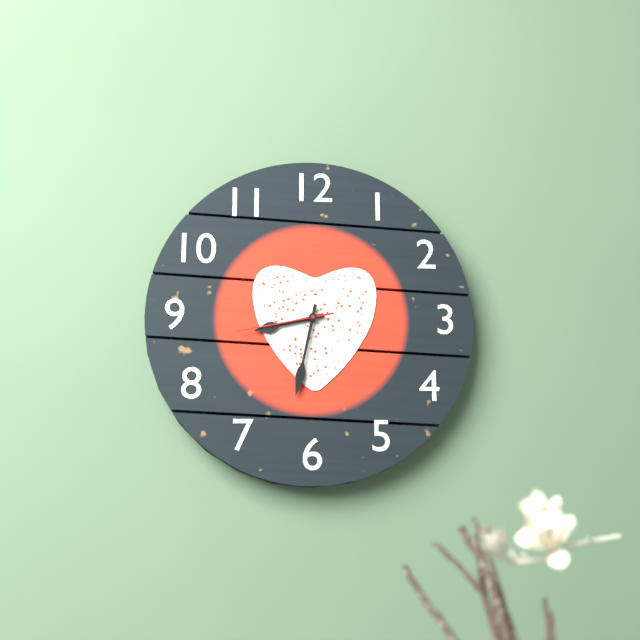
{"hour": 8, "minute": 32, "second": 43}
